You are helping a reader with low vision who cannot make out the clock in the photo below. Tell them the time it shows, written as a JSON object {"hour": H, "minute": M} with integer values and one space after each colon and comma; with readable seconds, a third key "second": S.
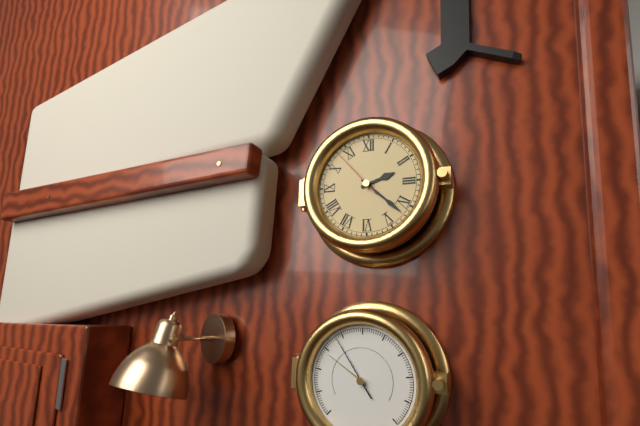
{"hour": 2, "minute": 22, "second": 53}
